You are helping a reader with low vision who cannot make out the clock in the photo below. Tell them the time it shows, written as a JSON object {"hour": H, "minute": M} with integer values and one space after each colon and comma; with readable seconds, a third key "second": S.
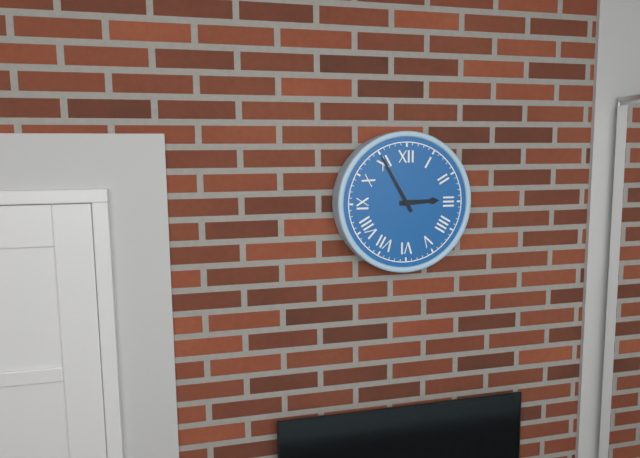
{"hour": 2, "minute": 55}
